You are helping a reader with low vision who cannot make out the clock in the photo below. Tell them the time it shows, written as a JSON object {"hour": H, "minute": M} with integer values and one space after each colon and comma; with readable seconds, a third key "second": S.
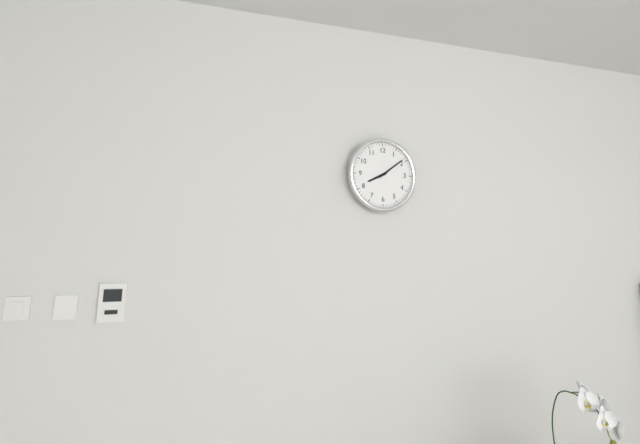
{"hour": 8, "minute": 9}
